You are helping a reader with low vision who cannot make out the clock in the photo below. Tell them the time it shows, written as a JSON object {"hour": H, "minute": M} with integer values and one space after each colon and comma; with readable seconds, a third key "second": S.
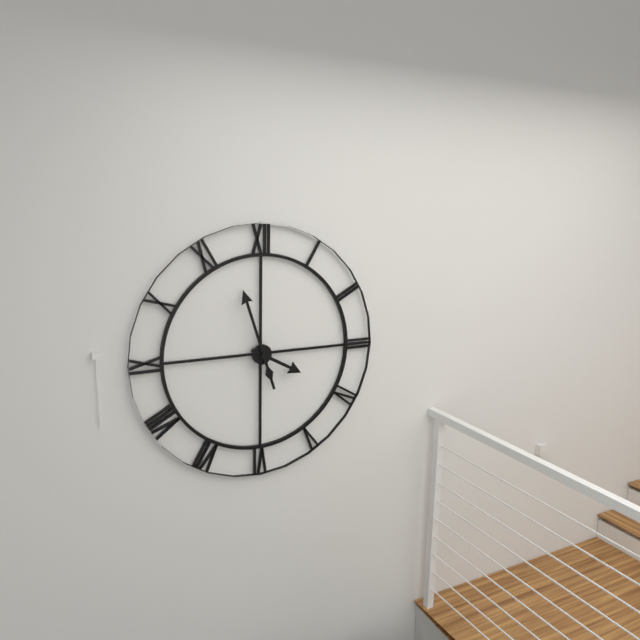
{"hour": 3, "minute": 57}
